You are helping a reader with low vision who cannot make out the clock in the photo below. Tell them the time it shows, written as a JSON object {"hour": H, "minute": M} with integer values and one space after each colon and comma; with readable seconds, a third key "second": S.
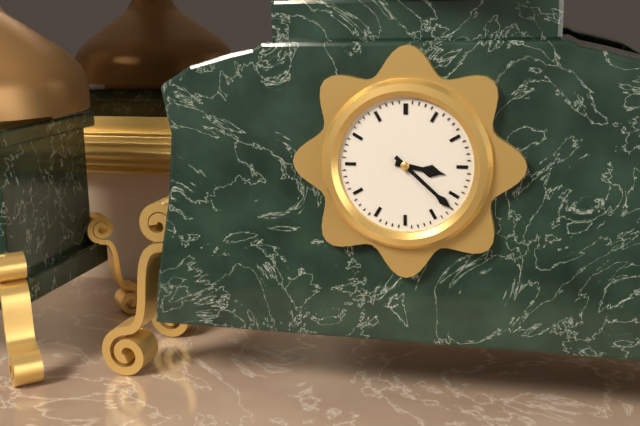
{"hour": 3, "minute": 22}
